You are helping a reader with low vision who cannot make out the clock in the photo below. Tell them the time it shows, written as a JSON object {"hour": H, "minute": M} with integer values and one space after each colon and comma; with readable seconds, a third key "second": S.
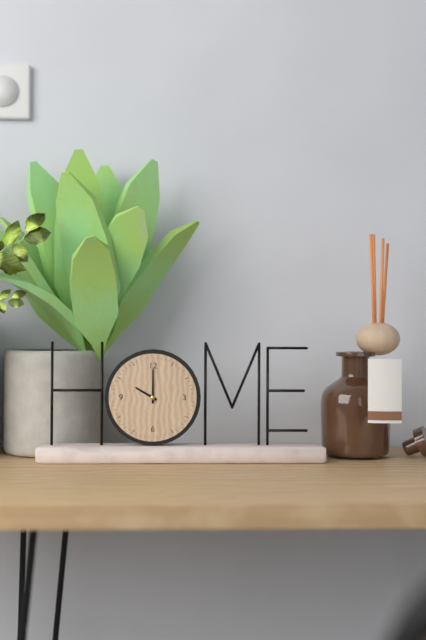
{"hour": 10, "minute": 0}
